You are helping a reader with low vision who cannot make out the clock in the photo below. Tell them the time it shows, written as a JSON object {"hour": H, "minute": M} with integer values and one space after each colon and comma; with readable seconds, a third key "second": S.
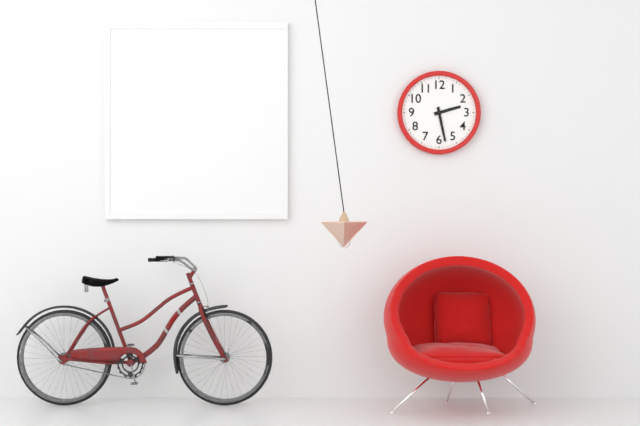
{"hour": 2, "minute": 28}
